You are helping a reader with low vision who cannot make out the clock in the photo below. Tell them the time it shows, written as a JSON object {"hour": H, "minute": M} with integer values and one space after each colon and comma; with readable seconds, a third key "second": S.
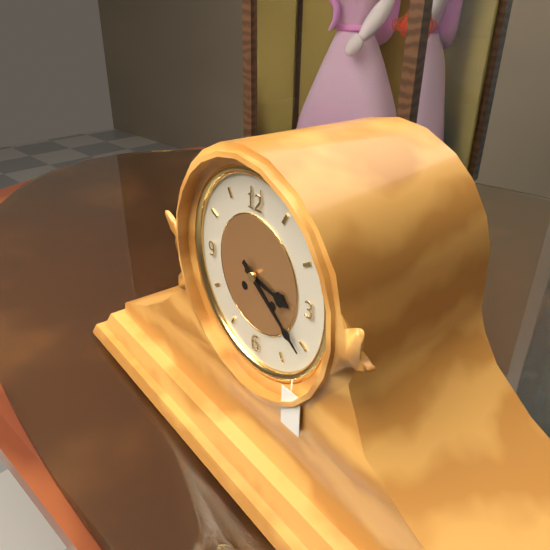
{"hour": 3, "minute": 21}
